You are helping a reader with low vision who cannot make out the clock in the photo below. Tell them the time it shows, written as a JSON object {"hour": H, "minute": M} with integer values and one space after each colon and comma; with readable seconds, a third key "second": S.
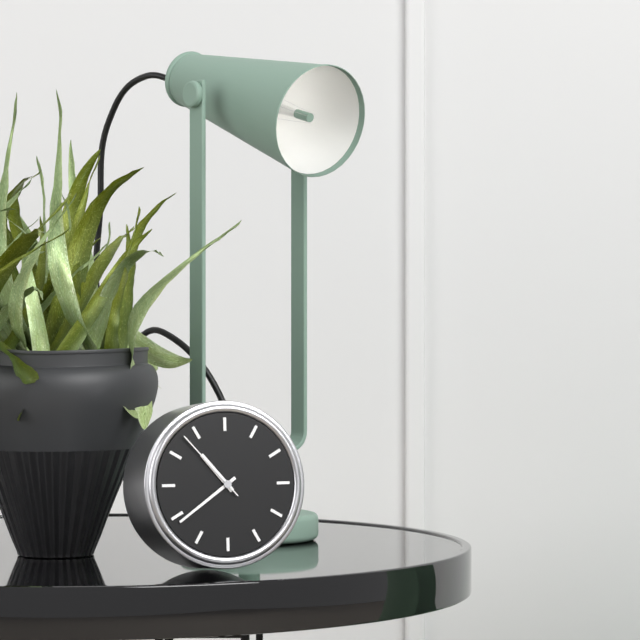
{"hour": 10, "minute": 39, "second": 53}
